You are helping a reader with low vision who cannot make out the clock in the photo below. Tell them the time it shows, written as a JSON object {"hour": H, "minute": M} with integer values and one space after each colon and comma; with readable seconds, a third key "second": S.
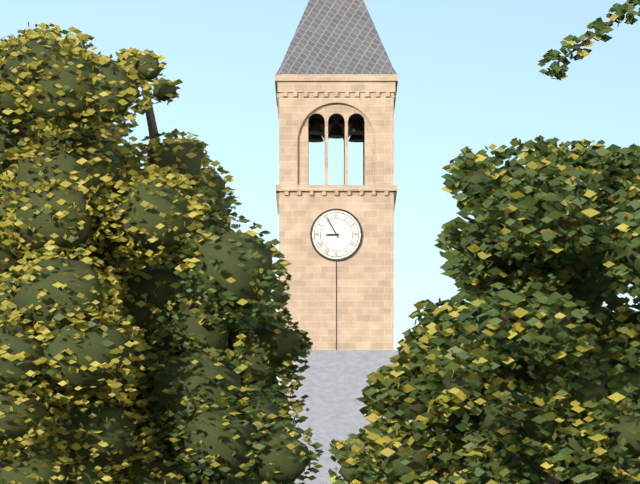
{"hour": 8, "minute": 55}
